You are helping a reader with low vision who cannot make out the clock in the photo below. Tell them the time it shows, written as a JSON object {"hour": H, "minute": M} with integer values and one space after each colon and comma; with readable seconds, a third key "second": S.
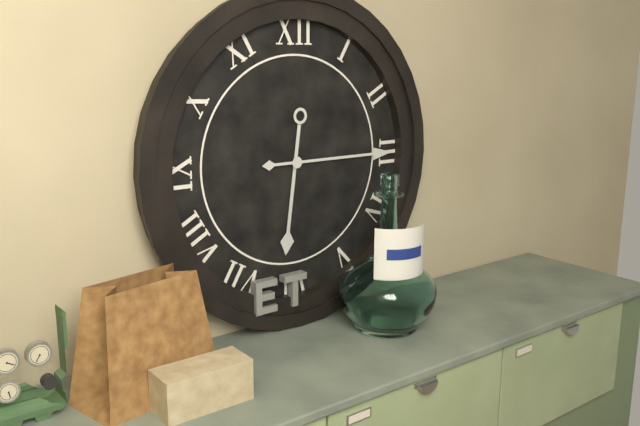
{"hour": 6, "minute": 15}
